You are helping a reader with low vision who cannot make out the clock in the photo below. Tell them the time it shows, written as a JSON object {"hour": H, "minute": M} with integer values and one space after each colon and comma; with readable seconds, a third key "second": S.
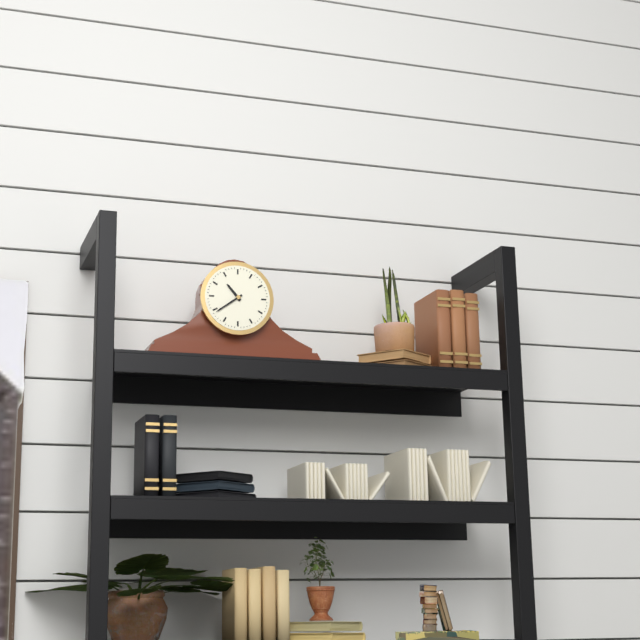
{"hour": 10, "minute": 39}
